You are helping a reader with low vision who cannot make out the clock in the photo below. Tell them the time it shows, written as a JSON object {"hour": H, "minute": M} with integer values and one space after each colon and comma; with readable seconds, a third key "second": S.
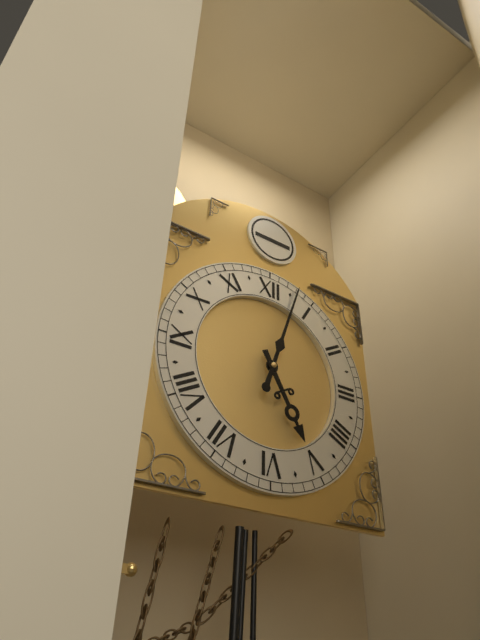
{"hour": 5, "minute": 3}
